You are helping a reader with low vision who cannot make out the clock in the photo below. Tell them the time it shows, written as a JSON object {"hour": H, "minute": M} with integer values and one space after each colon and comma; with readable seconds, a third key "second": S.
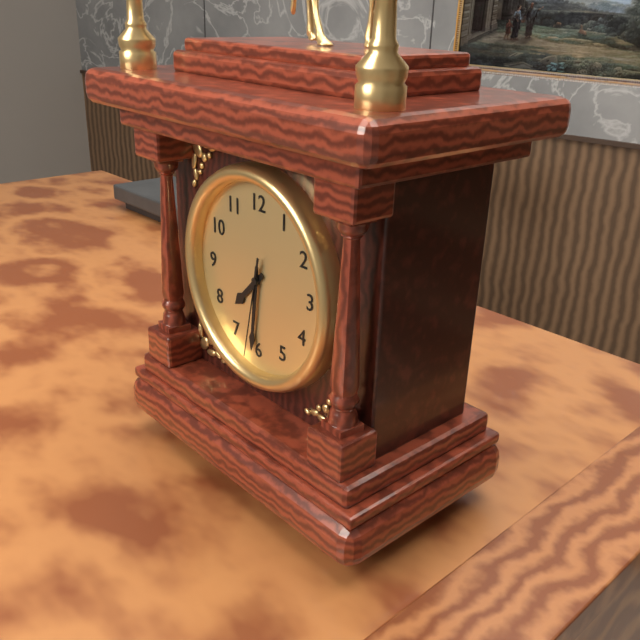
{"hour": 7, "minute": 31, "second": 32}
